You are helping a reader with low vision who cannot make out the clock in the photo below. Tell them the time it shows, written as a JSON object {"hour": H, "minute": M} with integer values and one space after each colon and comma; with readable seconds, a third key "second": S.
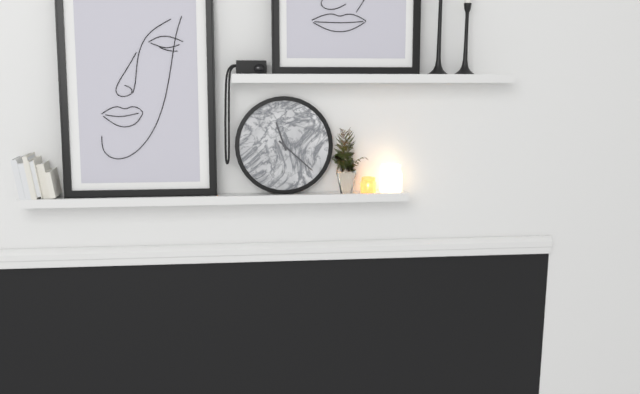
{"hour": 11, "minute": 22}
